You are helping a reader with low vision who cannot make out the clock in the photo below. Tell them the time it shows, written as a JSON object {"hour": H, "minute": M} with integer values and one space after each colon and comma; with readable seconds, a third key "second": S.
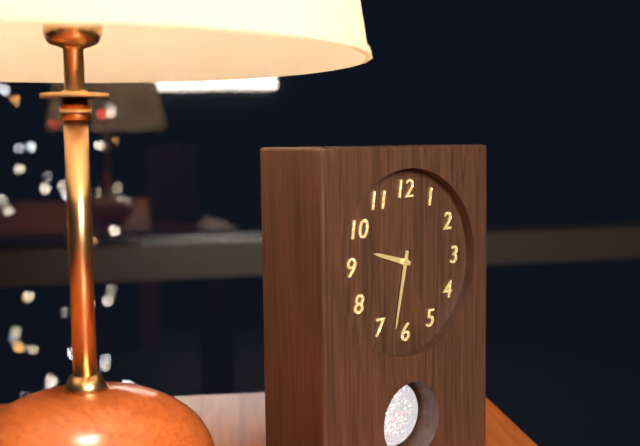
{"hour": 9, "minute": 32}
